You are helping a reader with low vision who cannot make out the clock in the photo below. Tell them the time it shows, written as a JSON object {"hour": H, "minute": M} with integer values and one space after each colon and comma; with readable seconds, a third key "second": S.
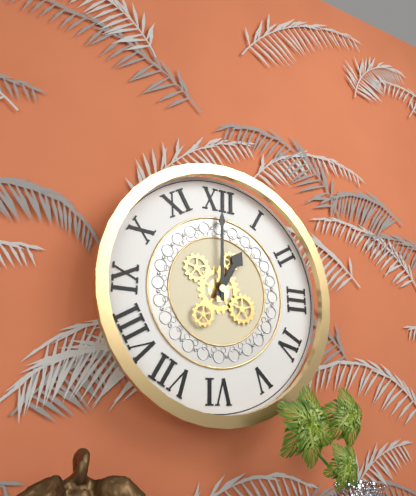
{"hour": 1, "minute": 0}
